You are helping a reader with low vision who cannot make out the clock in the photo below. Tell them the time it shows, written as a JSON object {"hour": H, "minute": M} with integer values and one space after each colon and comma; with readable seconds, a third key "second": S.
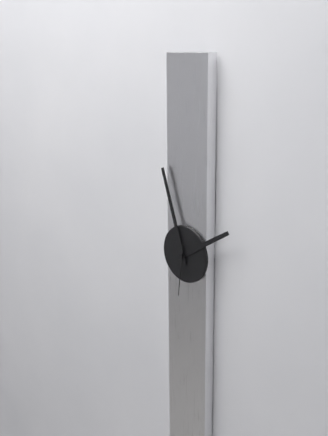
{"hour": 1, "minute": 57, "second": 31}
